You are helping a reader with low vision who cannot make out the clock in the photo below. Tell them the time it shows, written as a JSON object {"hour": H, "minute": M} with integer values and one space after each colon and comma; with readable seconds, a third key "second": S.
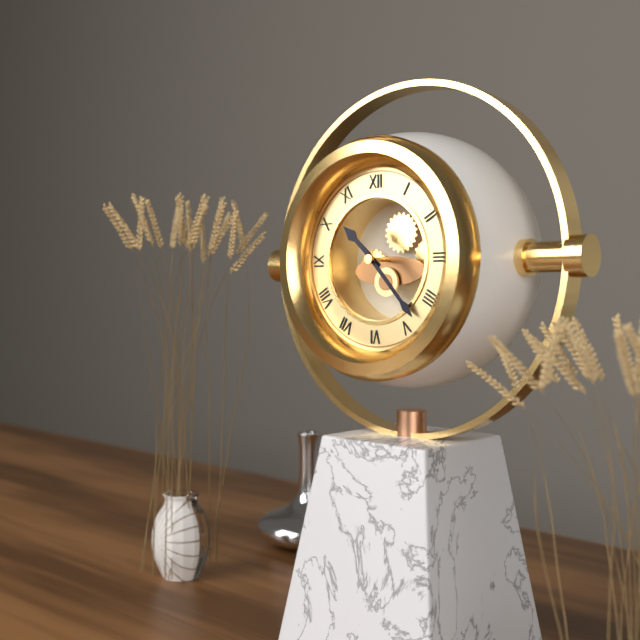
{"hour": 10, "minute": 23}
